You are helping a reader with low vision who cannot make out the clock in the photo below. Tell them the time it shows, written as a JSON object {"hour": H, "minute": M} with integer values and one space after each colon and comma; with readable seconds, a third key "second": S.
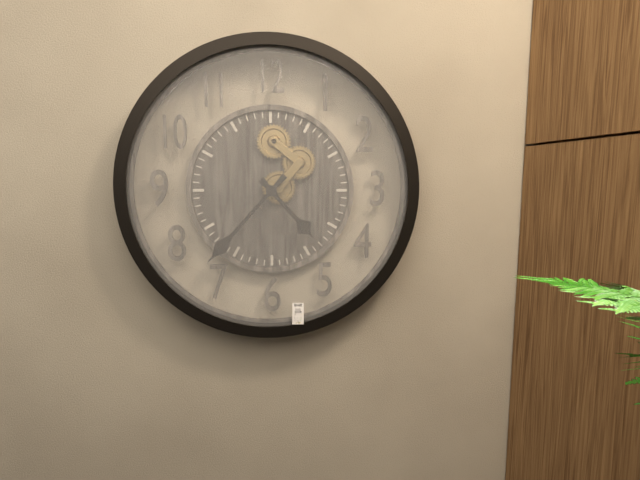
{"hour": 4, "minute": 37}
